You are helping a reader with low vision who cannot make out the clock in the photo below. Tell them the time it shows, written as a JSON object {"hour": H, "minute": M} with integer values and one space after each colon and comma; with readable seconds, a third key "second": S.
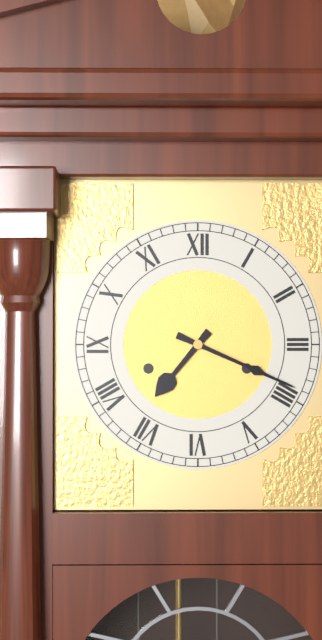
{"hour": 7, "minute": 19}
